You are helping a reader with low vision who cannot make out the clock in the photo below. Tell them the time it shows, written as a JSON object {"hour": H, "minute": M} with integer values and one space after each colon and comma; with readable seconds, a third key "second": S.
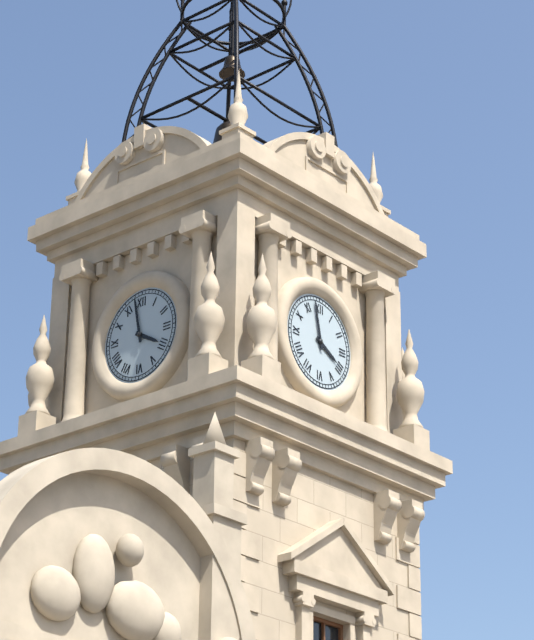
{"hour": 3, "minute": 58}
